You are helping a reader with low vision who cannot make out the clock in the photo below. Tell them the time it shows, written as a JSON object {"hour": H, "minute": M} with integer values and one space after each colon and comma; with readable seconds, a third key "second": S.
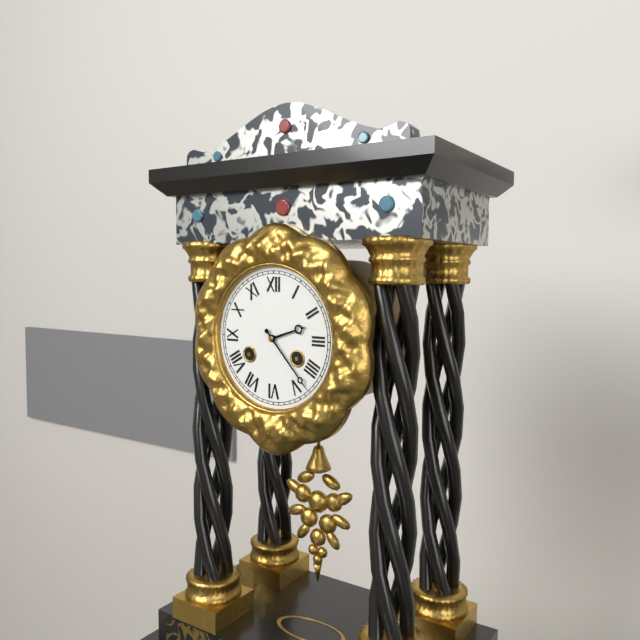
{"hour": 2, "minute": 23}
